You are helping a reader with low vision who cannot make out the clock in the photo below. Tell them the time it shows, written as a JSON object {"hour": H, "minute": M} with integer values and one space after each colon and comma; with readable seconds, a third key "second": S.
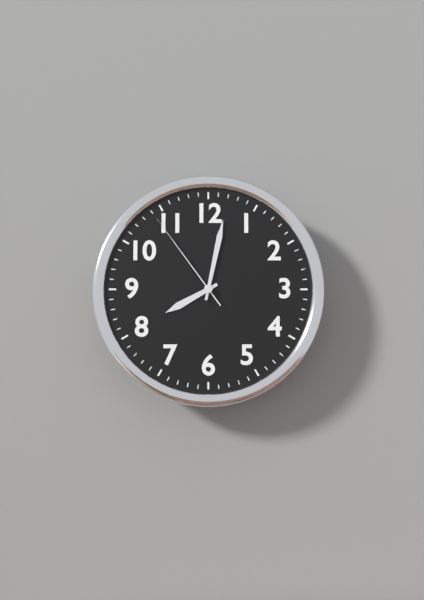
{"hour": 8, "minute": 2, "second": 54}
